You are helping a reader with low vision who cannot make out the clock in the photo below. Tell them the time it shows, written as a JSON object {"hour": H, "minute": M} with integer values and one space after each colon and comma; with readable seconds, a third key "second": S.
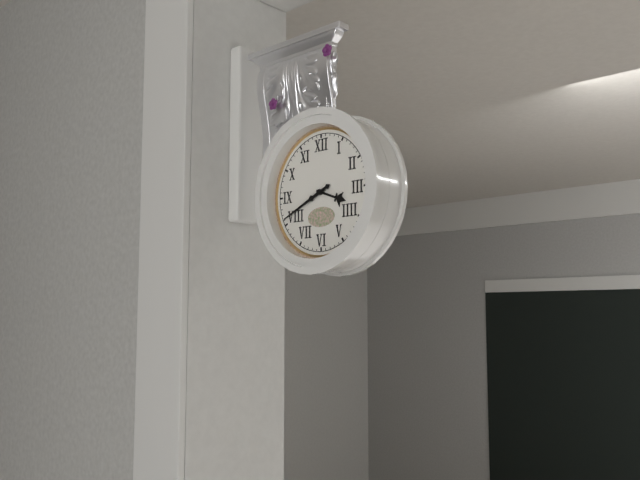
{"hour": 3, "minute": 41}
